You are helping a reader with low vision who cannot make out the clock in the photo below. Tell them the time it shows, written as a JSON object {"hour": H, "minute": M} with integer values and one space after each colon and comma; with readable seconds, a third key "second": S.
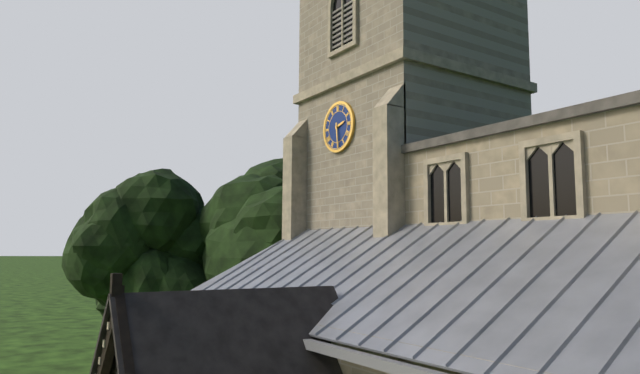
{"hour": 2, "minute": 29}
